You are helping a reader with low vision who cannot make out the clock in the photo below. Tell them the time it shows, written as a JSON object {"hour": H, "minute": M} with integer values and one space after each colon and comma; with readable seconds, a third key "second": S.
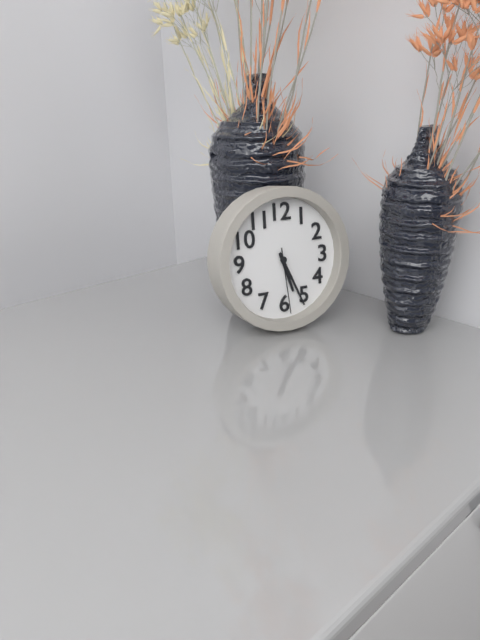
{"hour": 5, "minute": 26, "second": 29}
